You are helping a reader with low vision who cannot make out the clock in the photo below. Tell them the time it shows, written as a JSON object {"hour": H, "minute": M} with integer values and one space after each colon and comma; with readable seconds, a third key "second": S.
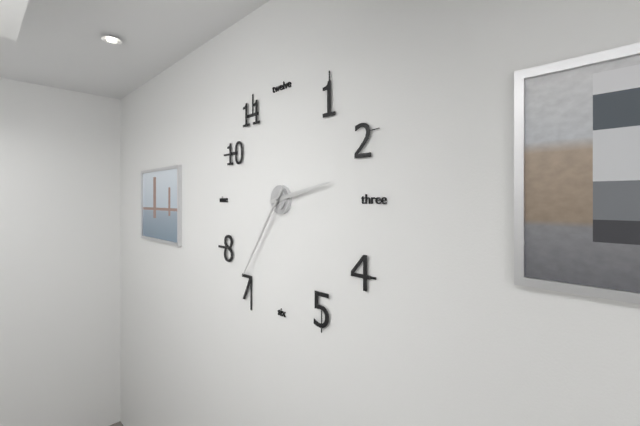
{"hour": 2, "minute": 36}
